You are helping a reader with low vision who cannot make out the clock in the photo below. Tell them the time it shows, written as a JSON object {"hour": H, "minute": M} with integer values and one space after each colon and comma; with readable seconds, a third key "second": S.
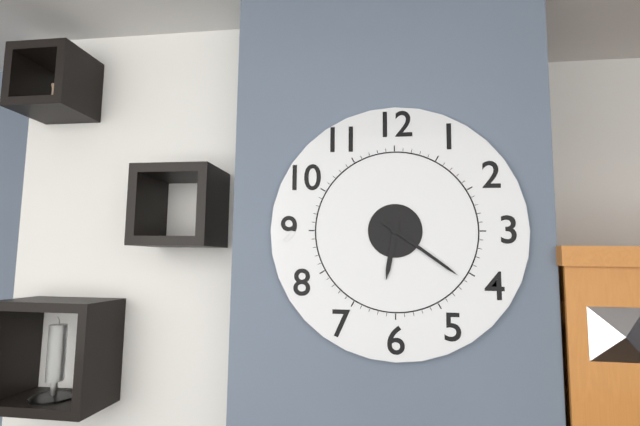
{"hour": 6, "minute": 21}
